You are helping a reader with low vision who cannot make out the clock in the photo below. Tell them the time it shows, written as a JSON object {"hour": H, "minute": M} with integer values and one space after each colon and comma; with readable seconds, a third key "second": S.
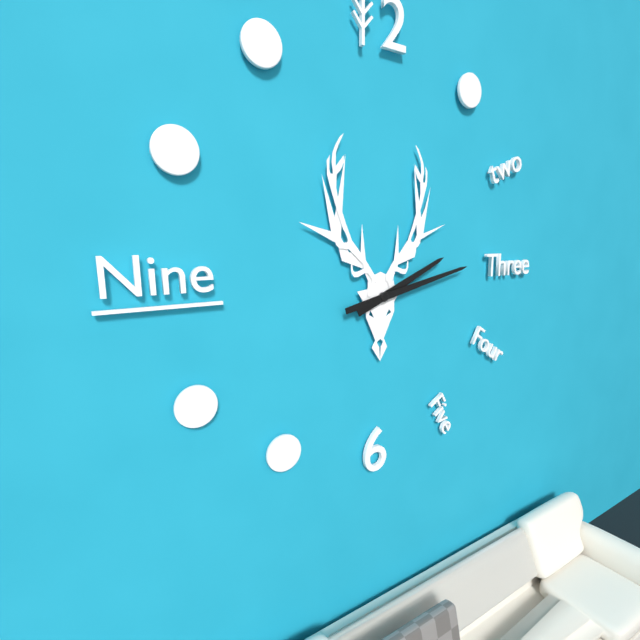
{"hour": 2, "minute": 13}
